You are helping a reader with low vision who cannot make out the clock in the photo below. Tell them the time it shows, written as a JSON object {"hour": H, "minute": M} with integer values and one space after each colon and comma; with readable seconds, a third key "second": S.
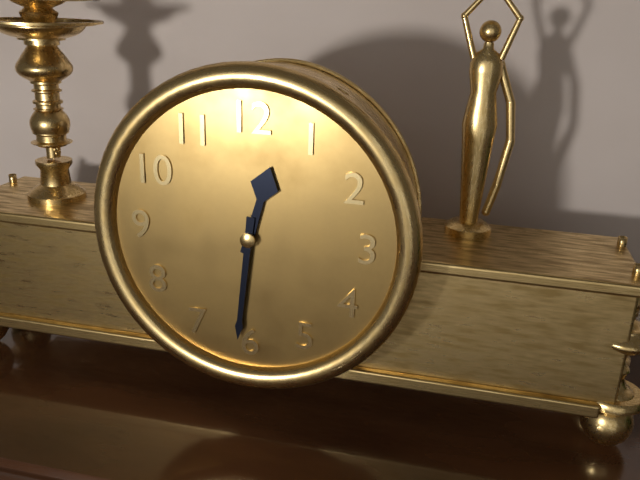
{"hour": 12, "minute": 31}
